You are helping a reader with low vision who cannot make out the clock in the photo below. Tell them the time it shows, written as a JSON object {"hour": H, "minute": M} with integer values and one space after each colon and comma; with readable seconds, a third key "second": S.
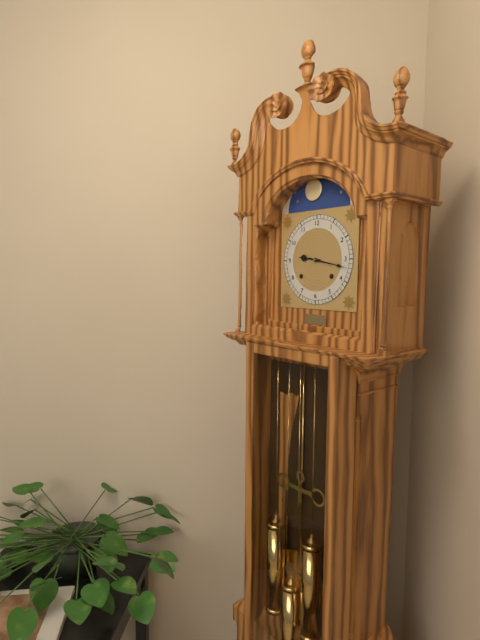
{"hour": 9, "minute": 17}
